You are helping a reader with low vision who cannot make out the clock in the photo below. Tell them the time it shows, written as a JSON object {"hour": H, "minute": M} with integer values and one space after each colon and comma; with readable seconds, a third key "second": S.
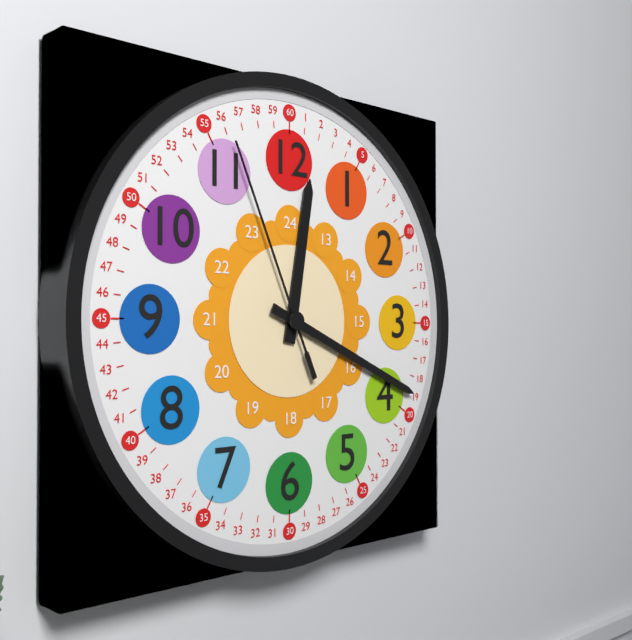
{"hour": 12, "minute": 19, "second": 56}
